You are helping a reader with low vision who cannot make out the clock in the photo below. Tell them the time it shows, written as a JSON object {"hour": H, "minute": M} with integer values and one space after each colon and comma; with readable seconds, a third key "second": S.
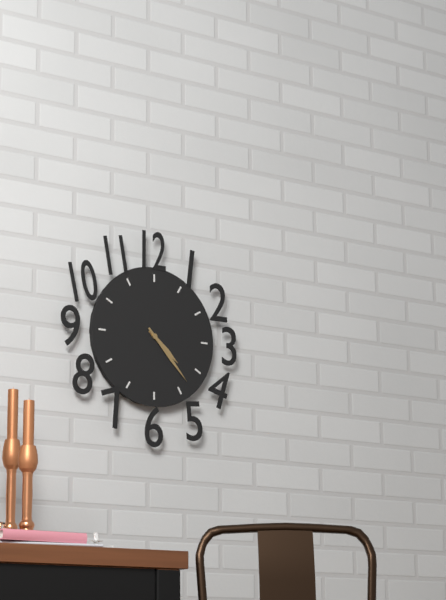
{"hour": 4, "minute": 23}
